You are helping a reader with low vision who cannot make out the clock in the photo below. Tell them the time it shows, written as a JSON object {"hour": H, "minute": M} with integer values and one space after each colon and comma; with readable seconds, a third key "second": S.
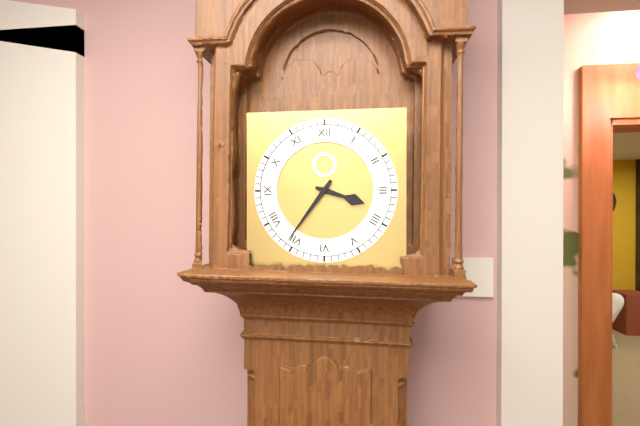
{"hour": 3, "minute": 36}
